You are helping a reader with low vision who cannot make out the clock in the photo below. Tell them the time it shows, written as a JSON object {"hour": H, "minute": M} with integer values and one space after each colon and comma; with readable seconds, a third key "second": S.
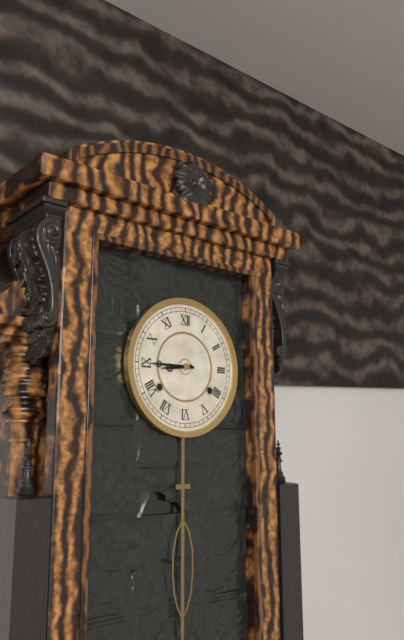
{"hour": 8, "minute": 45}
